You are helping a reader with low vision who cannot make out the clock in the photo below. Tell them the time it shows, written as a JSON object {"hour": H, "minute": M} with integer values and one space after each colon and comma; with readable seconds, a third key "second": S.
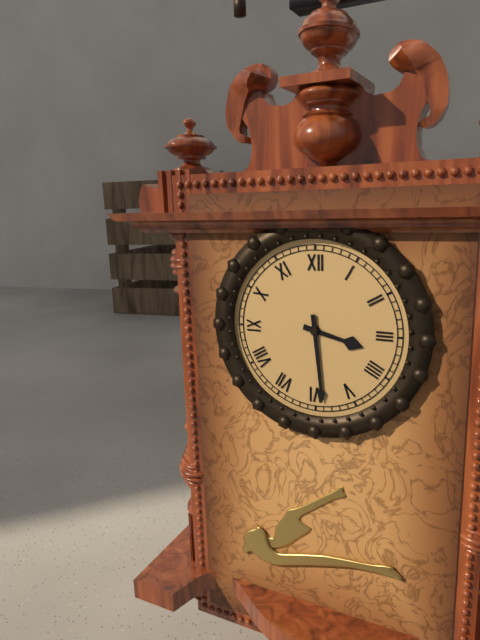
{"hour": 3, "minute": 29}
